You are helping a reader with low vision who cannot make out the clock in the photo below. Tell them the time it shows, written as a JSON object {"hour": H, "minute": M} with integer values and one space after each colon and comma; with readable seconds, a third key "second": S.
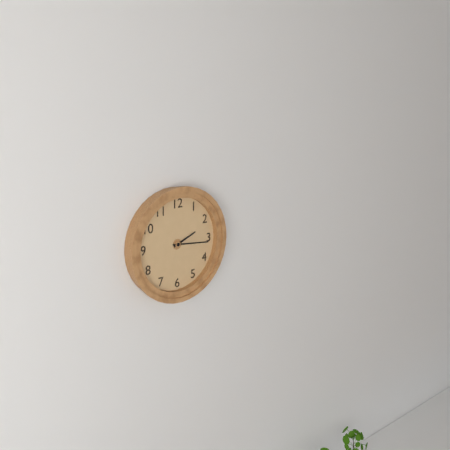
{"hour": 2, "minute": 16}
